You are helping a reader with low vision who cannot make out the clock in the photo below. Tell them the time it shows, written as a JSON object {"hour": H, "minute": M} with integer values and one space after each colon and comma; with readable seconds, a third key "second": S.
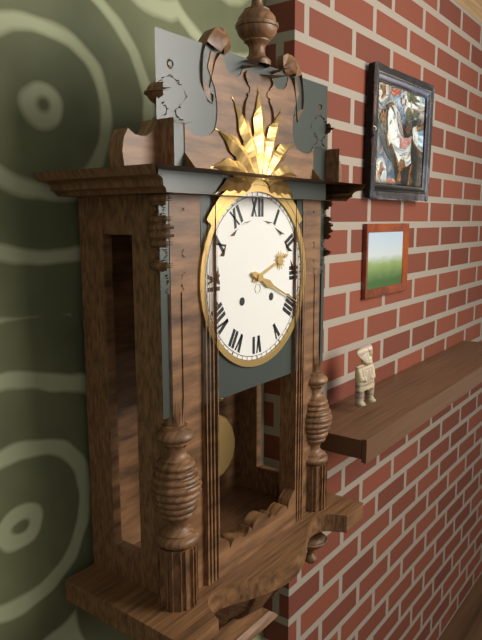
{"hour": 2, "minute": 19}
